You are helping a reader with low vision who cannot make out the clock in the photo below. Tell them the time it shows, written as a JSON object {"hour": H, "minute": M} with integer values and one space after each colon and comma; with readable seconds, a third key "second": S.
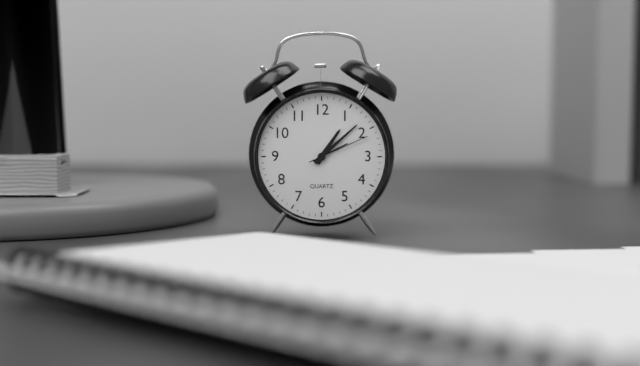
{"hour": 1, "minute": 8, "second": 11}
